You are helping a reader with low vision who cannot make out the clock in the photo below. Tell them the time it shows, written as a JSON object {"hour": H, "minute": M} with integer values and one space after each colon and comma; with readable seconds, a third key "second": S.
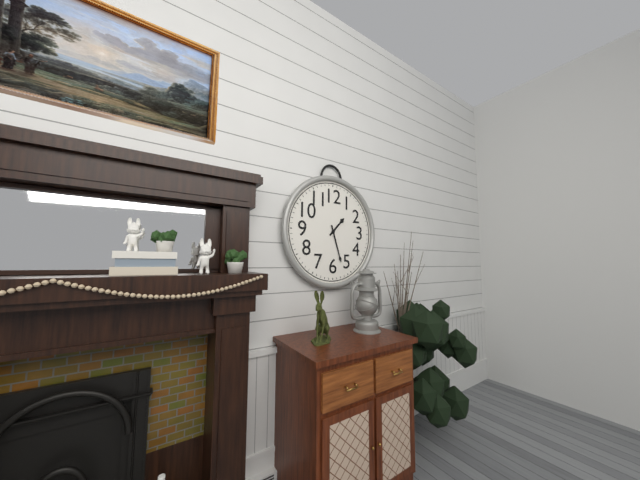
{"hour": 1, "minute": 27}
